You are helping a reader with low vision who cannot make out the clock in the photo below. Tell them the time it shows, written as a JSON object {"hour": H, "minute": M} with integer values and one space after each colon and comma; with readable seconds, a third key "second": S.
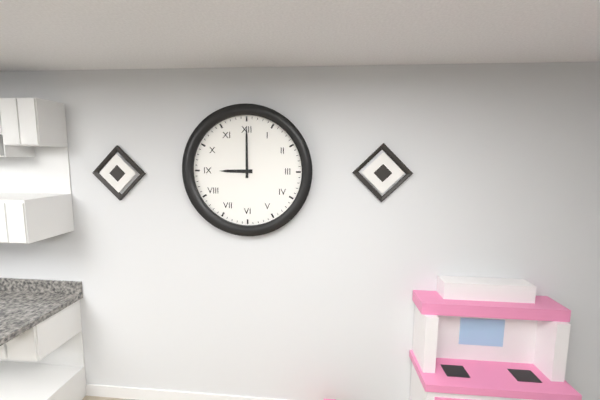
{"hour": 9, "minute": 0}
